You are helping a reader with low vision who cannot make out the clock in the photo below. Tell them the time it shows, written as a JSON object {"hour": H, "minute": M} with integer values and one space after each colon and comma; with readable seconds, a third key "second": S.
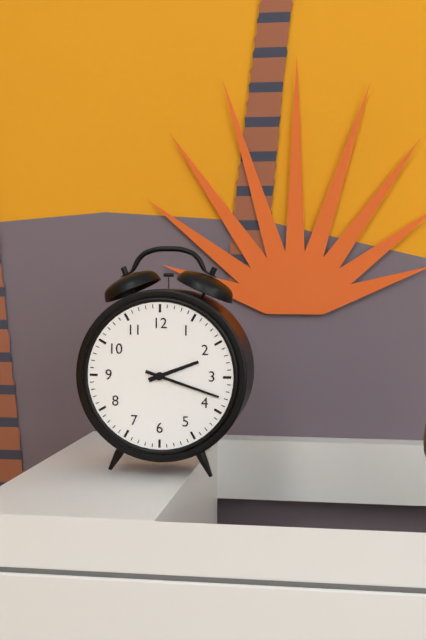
{"hour": 2, "minute": 18}
